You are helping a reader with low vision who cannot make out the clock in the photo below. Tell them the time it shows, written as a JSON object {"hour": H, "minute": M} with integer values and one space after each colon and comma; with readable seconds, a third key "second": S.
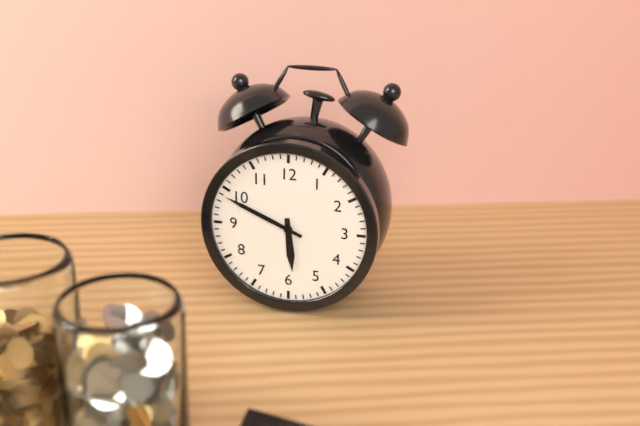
{"hour": 5, "minute": 49}
